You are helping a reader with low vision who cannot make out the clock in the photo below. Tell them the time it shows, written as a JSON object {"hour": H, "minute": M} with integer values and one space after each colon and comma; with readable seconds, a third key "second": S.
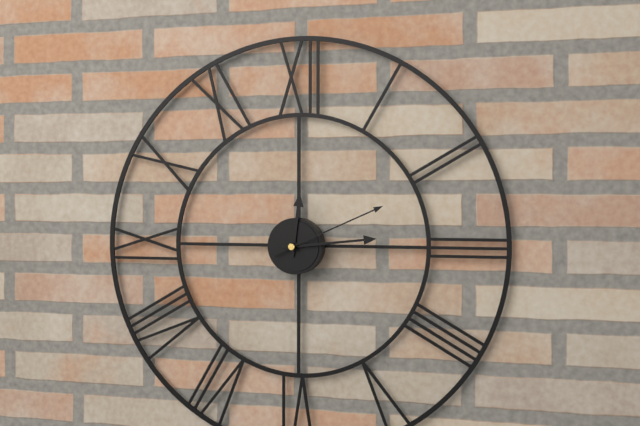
{"hour": 12, "minute": 14, "second": 11}
